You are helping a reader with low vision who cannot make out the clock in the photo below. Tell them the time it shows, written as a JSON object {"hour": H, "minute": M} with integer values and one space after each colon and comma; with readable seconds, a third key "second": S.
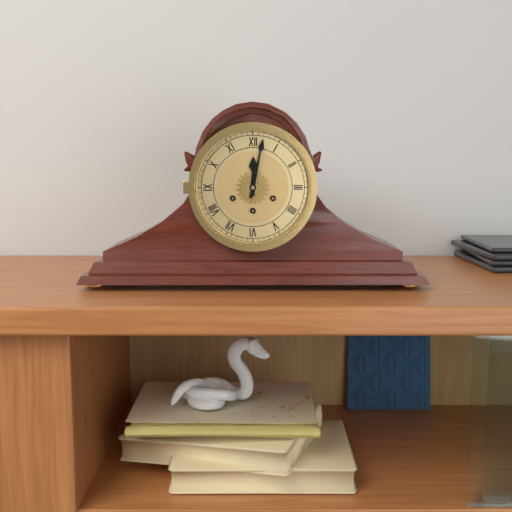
{"hour": 12, "minute": 2}
